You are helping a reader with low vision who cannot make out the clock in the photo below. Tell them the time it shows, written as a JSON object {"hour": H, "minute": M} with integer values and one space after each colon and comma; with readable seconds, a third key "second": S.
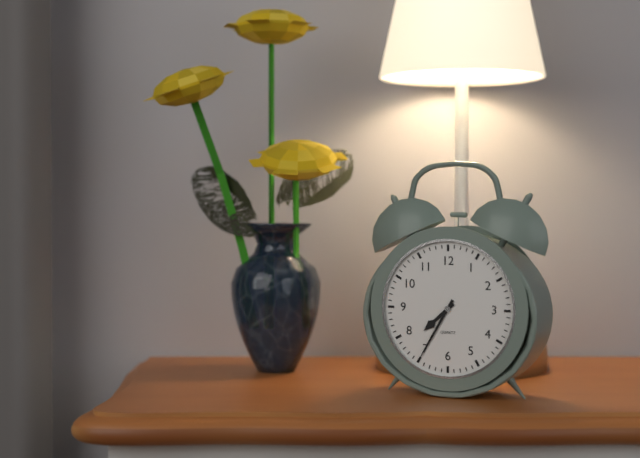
{"hour": 7, "minute": 35}
